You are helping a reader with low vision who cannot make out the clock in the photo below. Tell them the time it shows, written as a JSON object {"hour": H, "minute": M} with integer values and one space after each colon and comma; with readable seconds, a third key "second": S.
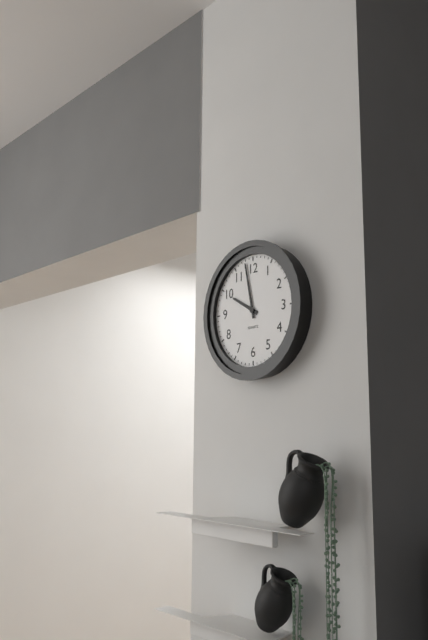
{"hour": 9, "minute": 58}
